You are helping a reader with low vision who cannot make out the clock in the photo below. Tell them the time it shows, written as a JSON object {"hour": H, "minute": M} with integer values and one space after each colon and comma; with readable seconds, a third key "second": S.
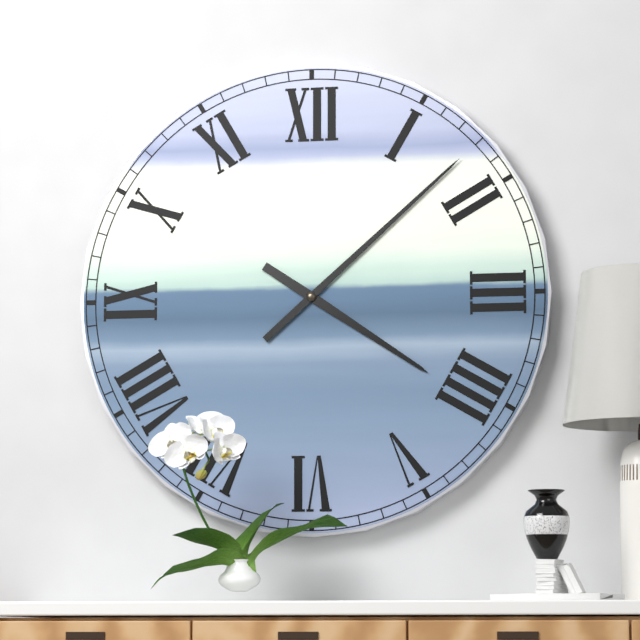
{"hour": 4, "minute": 8}
